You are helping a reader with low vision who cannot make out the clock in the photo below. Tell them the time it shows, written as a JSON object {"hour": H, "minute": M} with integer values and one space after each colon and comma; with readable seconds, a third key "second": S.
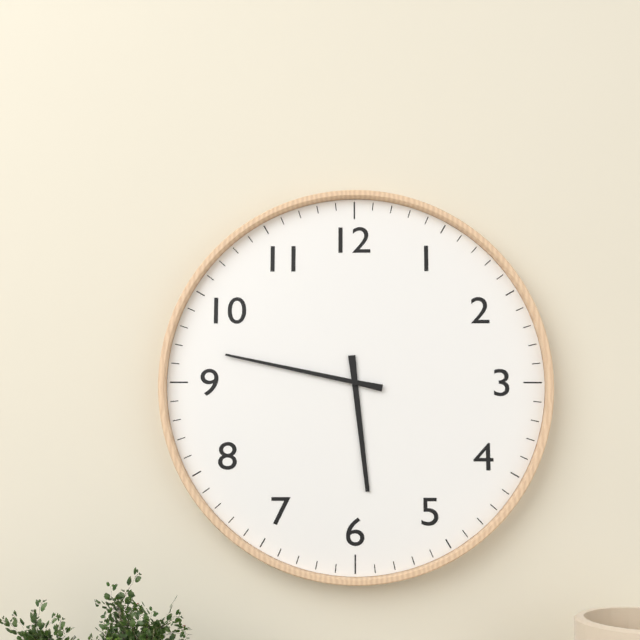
{"hour": 5, "minute": 47}
